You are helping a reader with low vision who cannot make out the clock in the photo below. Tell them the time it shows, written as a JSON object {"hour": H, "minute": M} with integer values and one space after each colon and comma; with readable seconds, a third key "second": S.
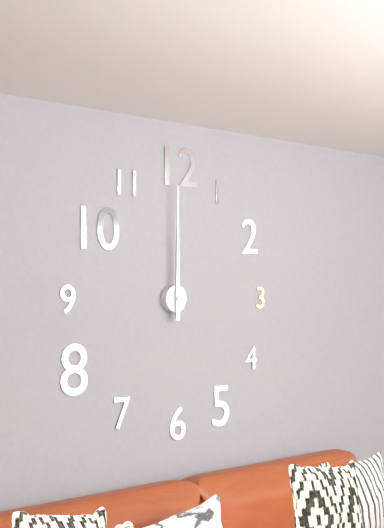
{"hour": 12, "minute": 0}
